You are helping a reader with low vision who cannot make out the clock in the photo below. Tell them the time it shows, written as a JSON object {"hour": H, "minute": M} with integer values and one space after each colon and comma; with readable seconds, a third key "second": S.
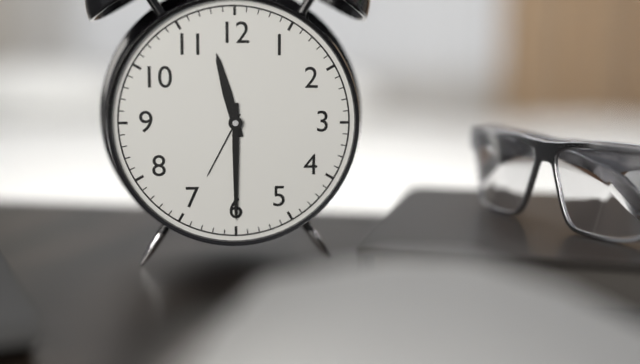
{"hour": 11, "minute": 30}
